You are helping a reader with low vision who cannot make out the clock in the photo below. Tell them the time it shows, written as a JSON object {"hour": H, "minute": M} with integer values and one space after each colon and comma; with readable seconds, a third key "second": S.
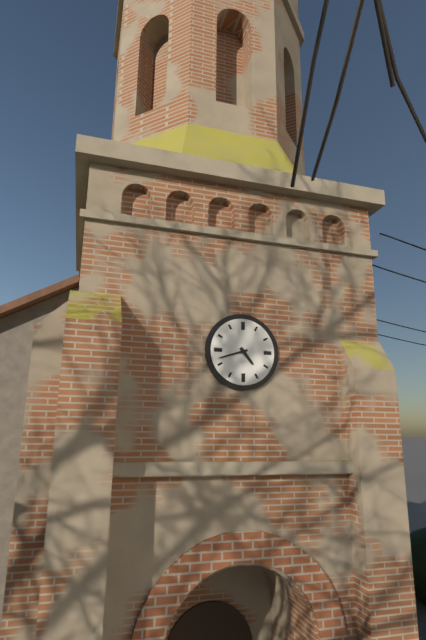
{"hour": 4, "minute": 42}
